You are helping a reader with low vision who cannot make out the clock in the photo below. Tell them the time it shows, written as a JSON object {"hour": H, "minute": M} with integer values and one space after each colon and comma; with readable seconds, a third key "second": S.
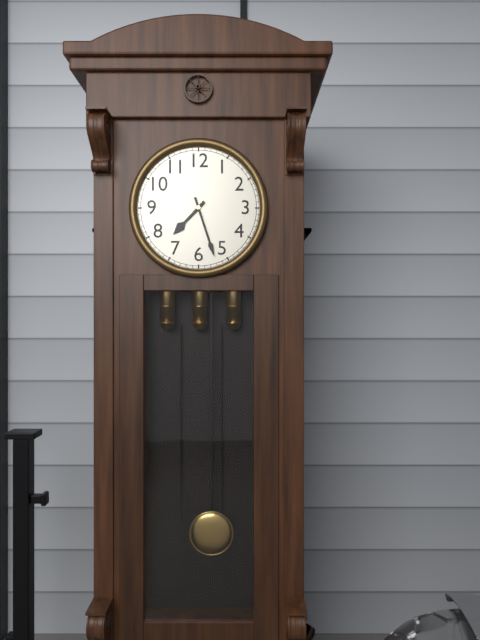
{"hour": 7, "minute": 27}
